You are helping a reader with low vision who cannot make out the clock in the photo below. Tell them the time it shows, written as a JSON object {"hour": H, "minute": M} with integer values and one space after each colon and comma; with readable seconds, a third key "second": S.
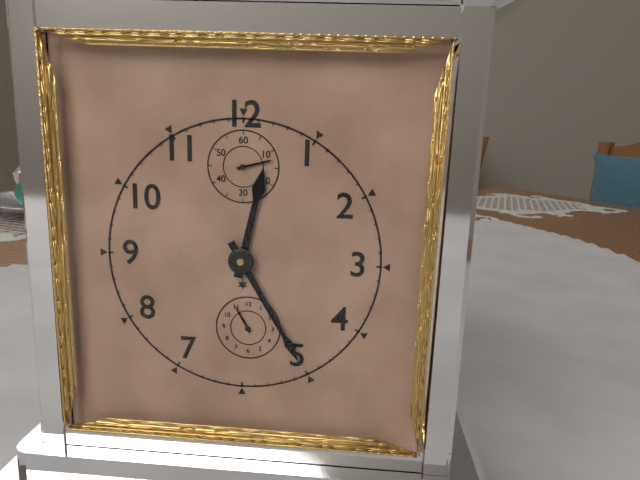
{"hour": 12, "minute": 25}
